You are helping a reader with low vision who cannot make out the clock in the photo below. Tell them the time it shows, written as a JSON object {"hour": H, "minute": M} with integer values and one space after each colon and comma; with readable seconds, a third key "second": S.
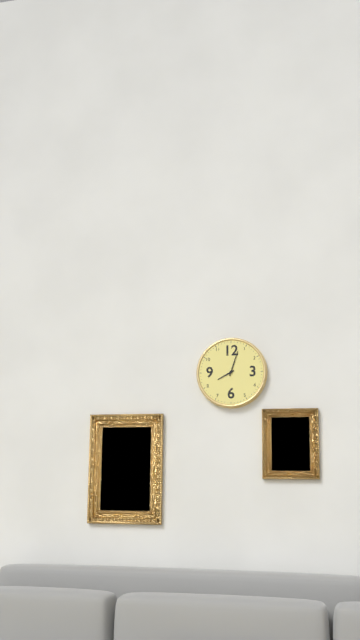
{"hour": 8, "minute": 3}
